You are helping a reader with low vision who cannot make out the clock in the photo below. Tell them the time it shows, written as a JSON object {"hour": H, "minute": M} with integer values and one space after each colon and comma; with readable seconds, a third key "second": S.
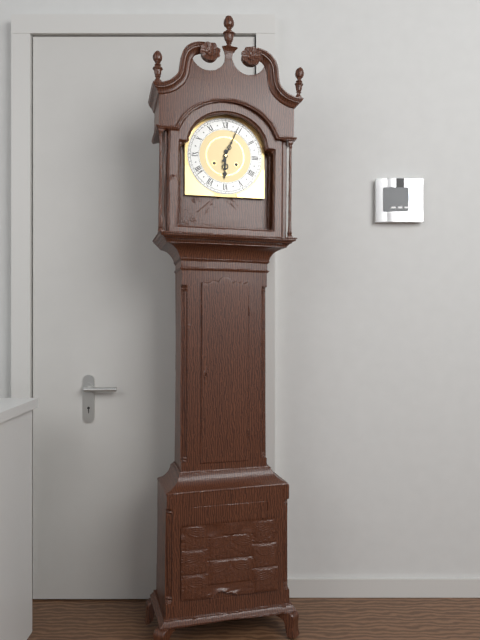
{"hour": 6, "minute": 4}
